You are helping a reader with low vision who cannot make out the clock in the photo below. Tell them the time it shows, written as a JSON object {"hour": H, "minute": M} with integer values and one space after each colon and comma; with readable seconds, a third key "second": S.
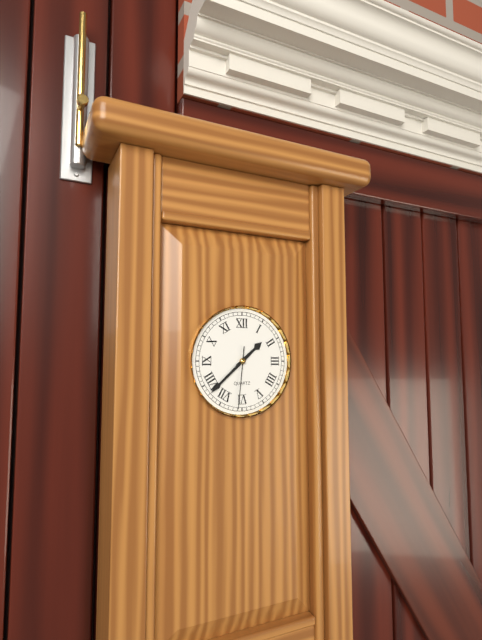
{"hour": 1, "minute": 38, "second": 31}
